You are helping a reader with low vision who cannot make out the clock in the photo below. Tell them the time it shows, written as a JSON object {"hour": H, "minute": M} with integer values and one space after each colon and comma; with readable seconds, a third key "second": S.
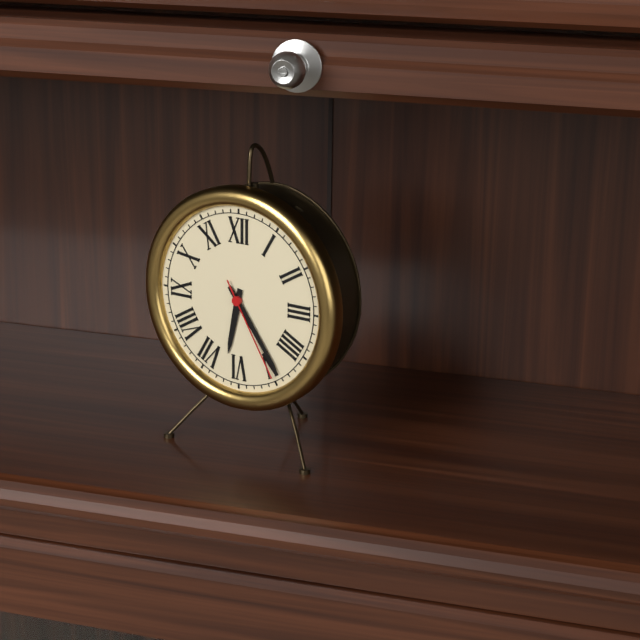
{"hour": 6, "minute": 24, "second": 25}
